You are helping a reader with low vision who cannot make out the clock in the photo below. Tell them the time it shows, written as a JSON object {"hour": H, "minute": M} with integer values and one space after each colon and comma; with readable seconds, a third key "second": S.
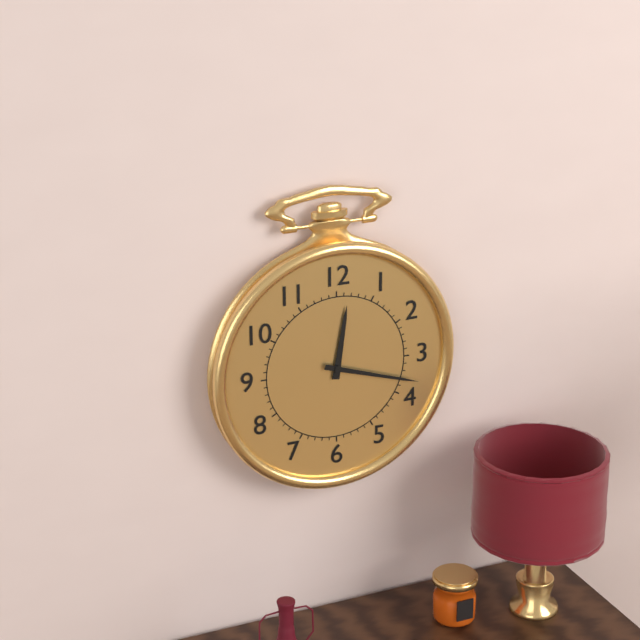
{"hour": 12, "minute": 18}
